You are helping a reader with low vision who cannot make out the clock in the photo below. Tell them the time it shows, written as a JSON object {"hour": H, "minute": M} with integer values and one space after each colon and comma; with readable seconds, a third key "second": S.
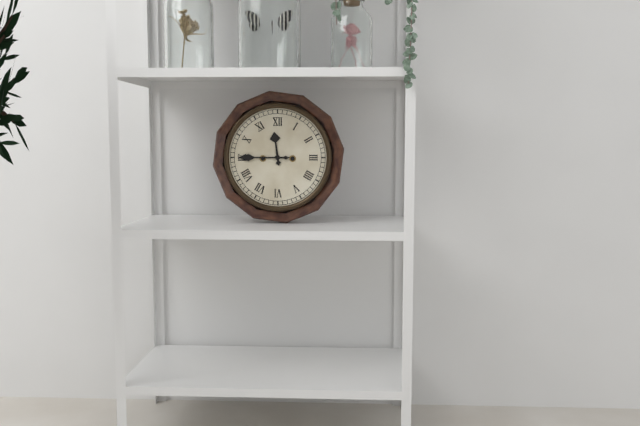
{"hour": 11, "minute": 45}
